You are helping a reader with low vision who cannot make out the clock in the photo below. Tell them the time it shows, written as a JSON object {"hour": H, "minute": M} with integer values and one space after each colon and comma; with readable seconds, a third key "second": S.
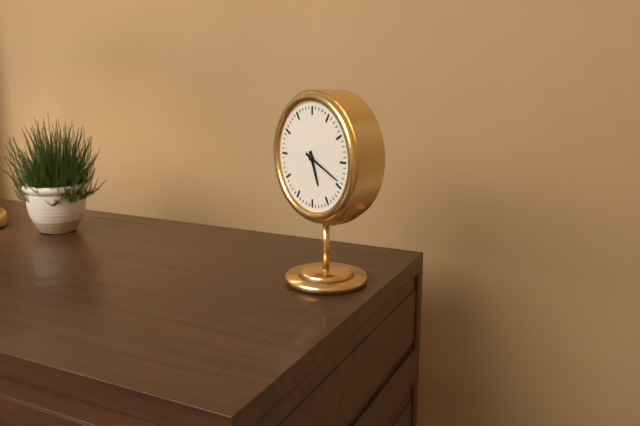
{"hour": 5, "minute": 19}
